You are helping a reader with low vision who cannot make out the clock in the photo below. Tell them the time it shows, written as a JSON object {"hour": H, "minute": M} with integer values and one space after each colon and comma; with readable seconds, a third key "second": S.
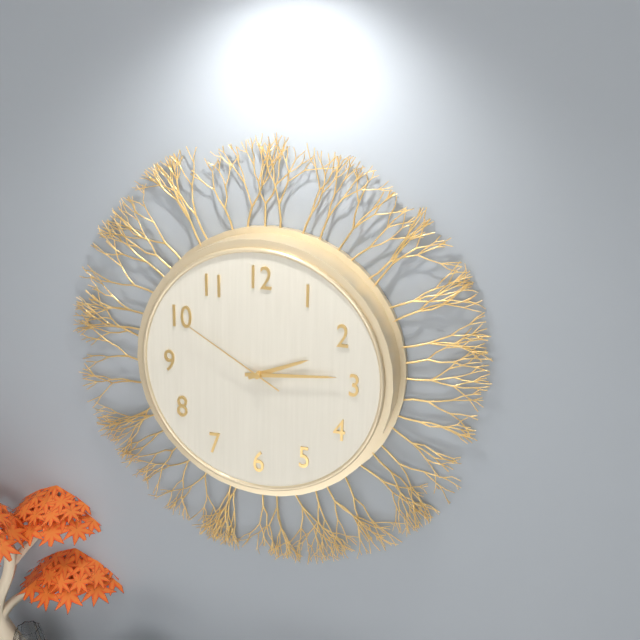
{"hour": 2, "minute": 14, "second": 50}
